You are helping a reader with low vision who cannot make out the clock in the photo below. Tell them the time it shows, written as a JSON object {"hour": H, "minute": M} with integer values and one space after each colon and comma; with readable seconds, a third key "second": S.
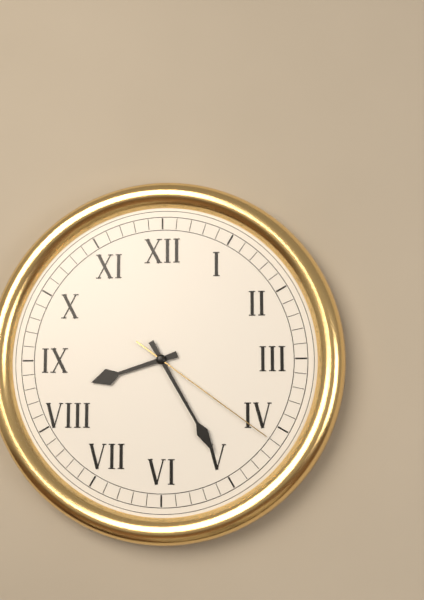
{"hour": 8, "minute": 25, "second": 21}
